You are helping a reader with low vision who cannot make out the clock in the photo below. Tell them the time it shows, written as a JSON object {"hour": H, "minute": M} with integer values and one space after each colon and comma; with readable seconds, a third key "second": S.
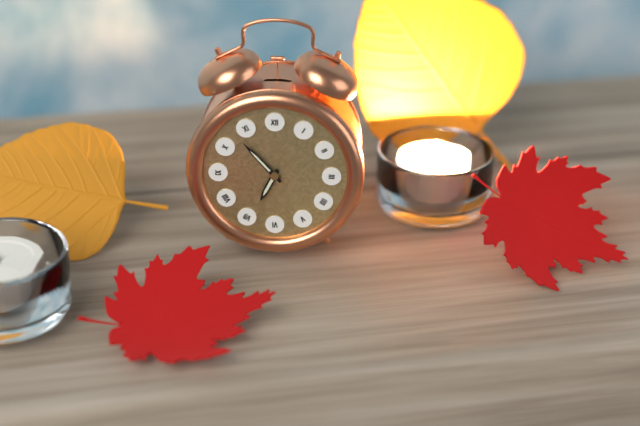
{"hour": 6, "minute": 53}
